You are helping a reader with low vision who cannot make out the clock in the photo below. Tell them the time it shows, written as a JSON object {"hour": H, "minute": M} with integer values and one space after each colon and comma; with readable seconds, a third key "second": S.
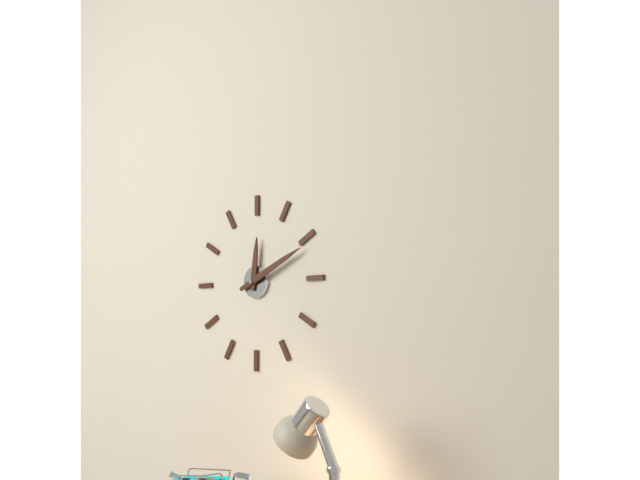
{"hour": 12, "minute": 11}
